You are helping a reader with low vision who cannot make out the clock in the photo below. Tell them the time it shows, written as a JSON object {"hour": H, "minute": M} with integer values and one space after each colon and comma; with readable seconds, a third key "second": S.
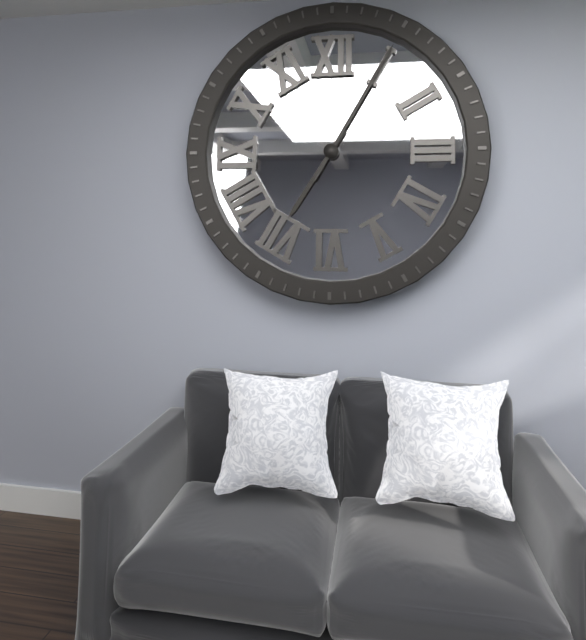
{"hour": 7, "minute": 5}
